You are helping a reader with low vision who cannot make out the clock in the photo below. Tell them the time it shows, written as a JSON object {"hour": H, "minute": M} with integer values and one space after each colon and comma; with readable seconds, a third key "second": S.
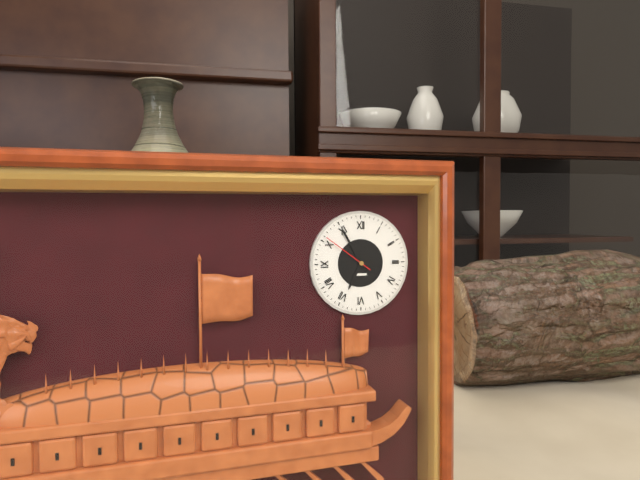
{"hour": 6, "minute": 55, "second": 51}
